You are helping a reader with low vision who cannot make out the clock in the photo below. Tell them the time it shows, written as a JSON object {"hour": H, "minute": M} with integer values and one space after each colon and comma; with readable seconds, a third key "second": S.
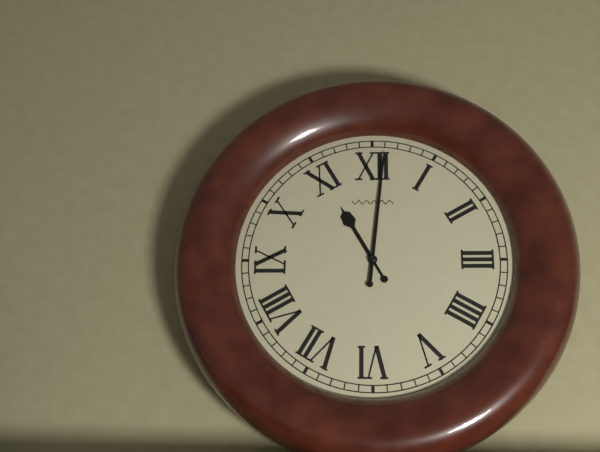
{"hour": 11, "minute": 1}
